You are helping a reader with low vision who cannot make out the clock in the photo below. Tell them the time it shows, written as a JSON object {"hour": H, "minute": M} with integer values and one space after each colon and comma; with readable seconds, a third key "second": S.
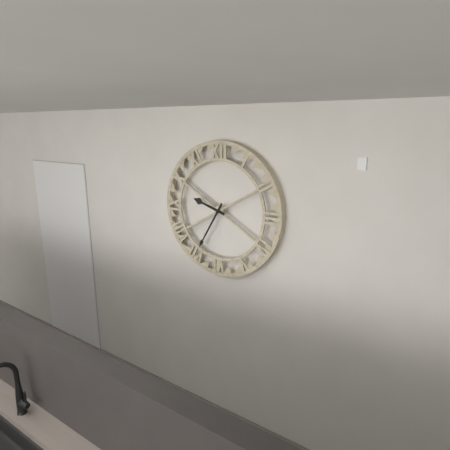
{"hour": 9, "minute": 35}
